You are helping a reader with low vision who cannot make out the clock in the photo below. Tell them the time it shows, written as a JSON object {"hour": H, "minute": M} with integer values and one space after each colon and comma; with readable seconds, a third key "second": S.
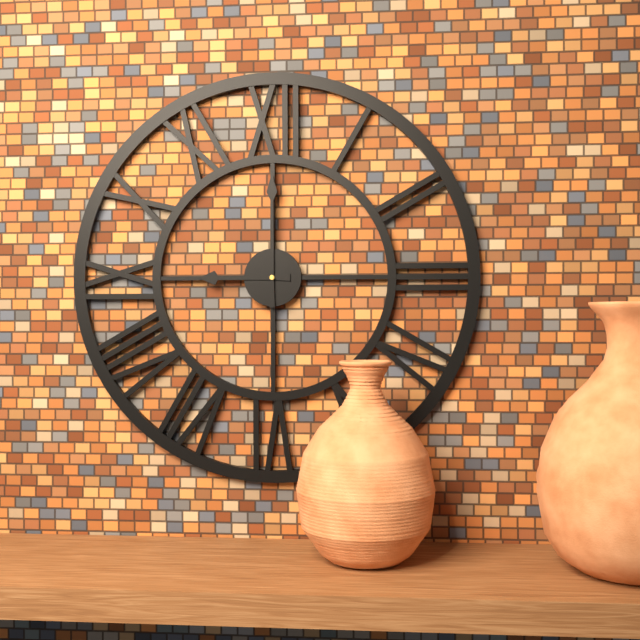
{"hour": 9, "minute": 0}
